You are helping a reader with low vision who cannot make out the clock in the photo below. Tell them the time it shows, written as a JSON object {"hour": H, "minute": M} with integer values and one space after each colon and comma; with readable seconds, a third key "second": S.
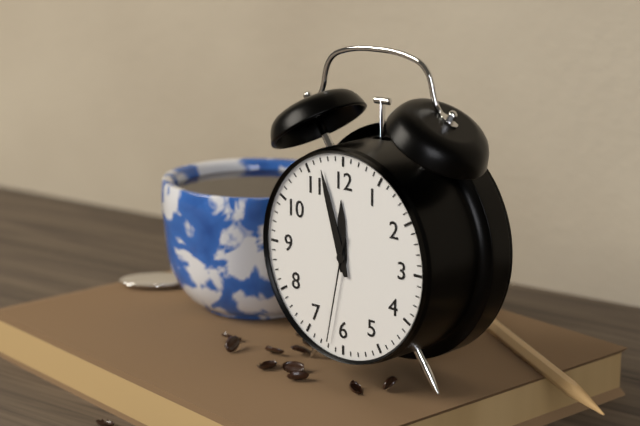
{"hour": 11, "minute": 57, "second": 32}
